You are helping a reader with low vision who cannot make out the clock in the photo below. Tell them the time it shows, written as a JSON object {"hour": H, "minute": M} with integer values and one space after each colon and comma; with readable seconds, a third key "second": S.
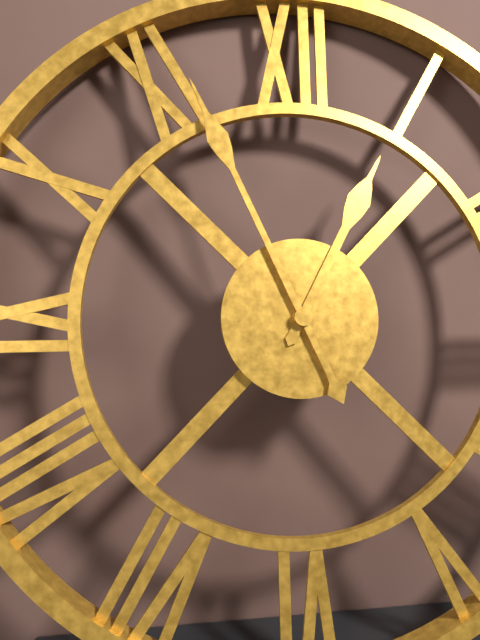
{"hour": 12, "minute": 56}
